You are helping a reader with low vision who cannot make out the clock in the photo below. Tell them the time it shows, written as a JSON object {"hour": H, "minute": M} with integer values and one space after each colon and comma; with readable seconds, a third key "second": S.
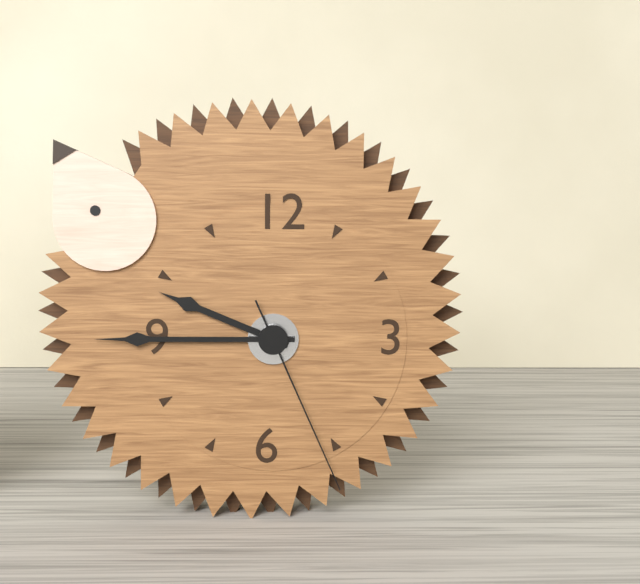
{"hour": 9, "minute": 45, "second": 26}
